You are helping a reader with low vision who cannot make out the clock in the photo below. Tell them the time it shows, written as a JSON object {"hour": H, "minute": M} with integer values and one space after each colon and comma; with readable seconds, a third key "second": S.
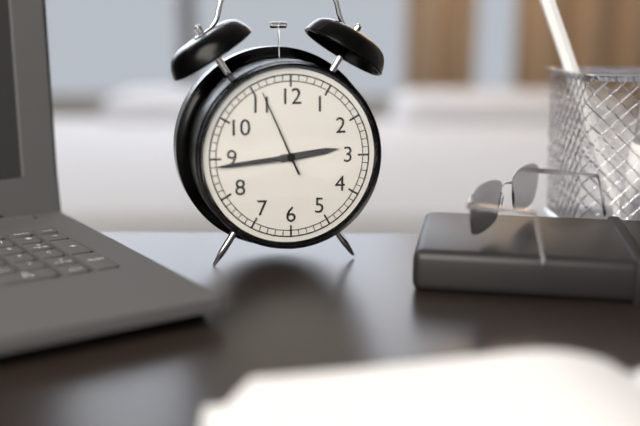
{"hour": 2, "minute": 44, "second": 56}
